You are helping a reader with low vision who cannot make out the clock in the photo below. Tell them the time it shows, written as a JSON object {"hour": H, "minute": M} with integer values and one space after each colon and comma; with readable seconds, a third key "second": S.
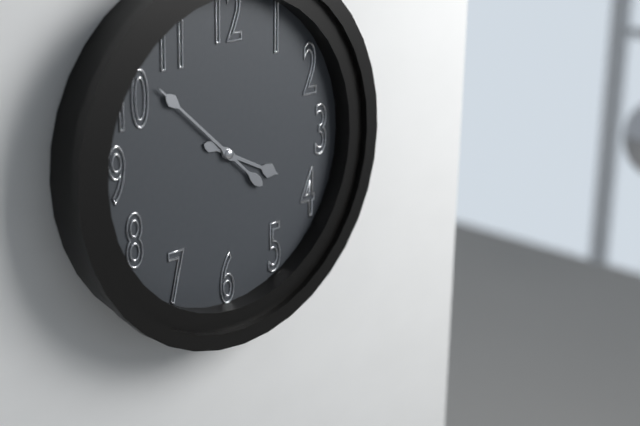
{"hour": 3, "minute": 52}
